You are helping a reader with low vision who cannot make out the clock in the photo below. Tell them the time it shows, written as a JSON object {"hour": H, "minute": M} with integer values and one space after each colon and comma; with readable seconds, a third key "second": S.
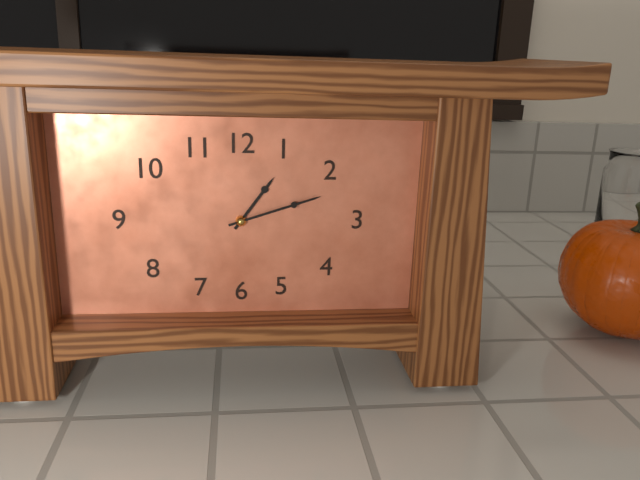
{"hour": 1, "minute": 12}
